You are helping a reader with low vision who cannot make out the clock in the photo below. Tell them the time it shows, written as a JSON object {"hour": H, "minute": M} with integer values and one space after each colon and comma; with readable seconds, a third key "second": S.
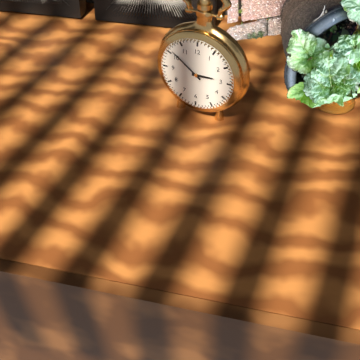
{"hour": 2, "minute": 51}
